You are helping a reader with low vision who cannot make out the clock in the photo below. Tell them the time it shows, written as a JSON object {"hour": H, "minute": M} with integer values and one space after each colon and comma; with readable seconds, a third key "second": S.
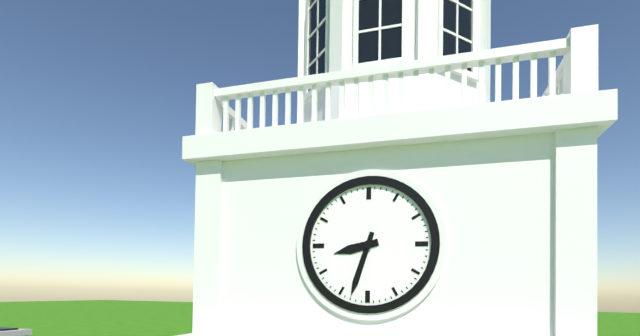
{"hour": 8, "minute": 33}
